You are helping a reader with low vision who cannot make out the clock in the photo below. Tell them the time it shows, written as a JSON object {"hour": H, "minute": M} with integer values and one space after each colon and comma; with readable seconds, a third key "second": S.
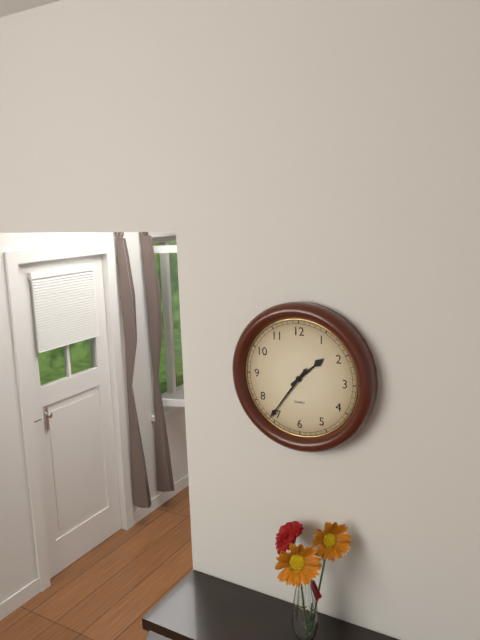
{"hour": 1, "minute": 36}
